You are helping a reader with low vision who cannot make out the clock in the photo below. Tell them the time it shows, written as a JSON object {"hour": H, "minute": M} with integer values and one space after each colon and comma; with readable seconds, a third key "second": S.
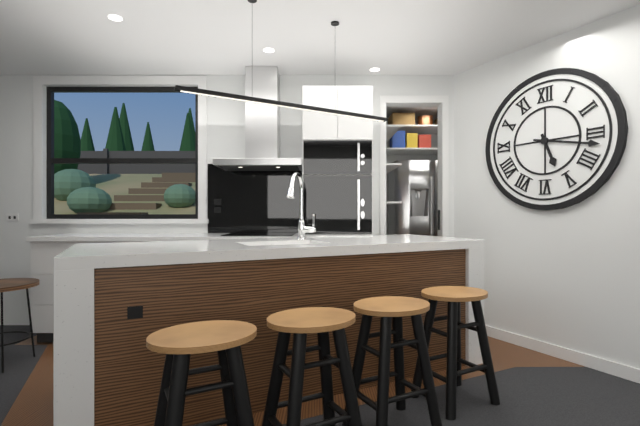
{"hour": 5, "minute": 17}
